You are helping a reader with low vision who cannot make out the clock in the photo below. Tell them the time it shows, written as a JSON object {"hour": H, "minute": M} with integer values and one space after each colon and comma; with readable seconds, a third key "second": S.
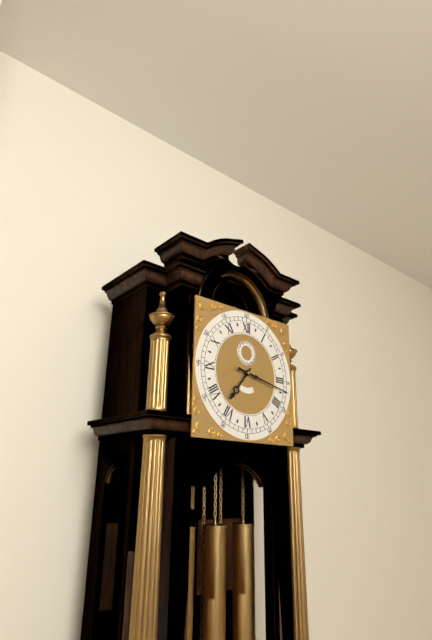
{"hour": 7, "minute": 17}
